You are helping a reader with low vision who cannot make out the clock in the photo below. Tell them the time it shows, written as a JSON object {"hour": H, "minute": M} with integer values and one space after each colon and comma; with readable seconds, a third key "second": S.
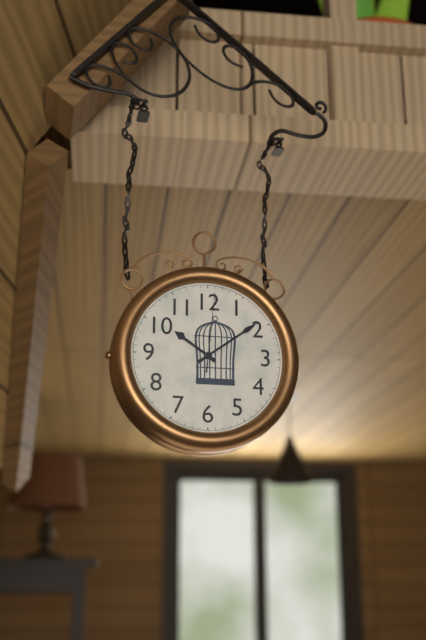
{"hour": 10, "minute": 9, "second": 1}
